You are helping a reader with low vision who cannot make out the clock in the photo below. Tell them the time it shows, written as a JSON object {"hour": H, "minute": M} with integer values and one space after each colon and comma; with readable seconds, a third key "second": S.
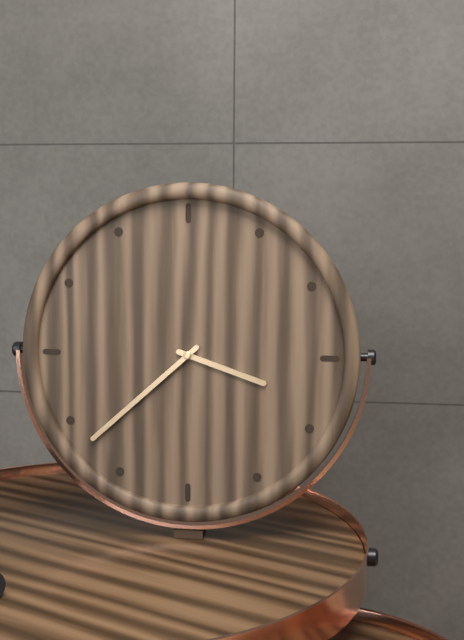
{"hour": 3, "minute": 38}
